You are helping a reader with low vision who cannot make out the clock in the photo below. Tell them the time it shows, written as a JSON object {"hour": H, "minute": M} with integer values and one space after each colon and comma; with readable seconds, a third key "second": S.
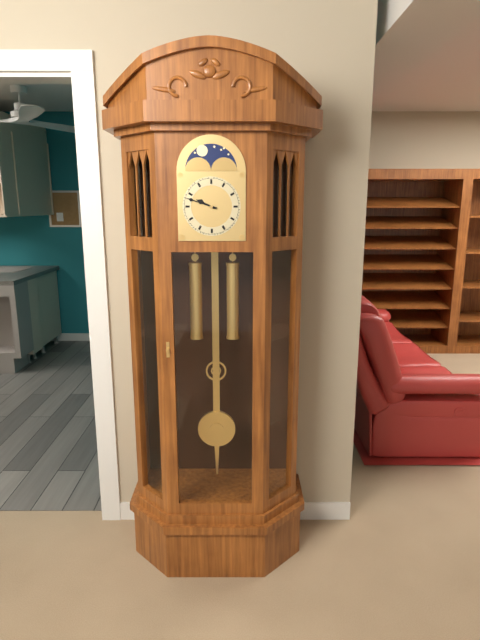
{"hour": 9, "minute": 48}
